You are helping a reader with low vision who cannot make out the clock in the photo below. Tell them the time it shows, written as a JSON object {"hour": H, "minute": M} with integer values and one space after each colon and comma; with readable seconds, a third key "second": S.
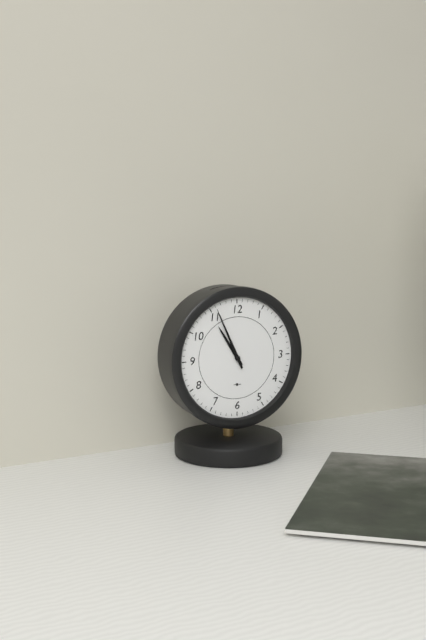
{"hour": 10, "minute": 56}
